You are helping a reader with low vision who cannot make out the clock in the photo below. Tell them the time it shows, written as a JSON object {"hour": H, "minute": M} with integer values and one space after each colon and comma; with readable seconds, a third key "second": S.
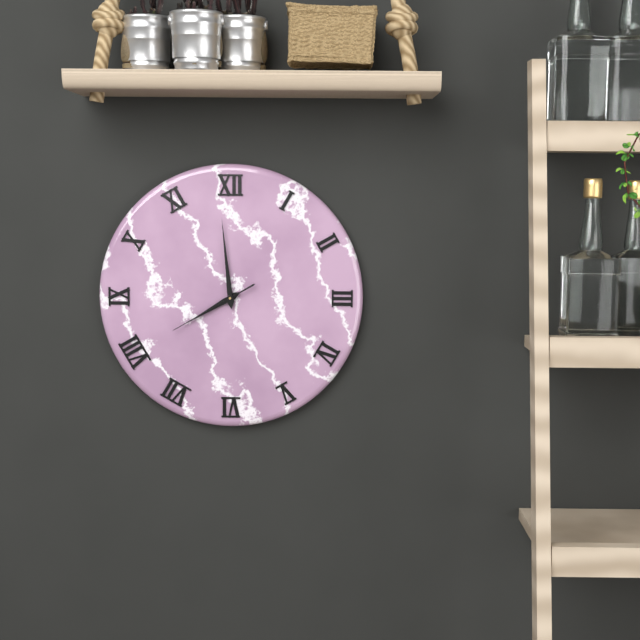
{"hour": 7, "minute": 59, "second": 40}
